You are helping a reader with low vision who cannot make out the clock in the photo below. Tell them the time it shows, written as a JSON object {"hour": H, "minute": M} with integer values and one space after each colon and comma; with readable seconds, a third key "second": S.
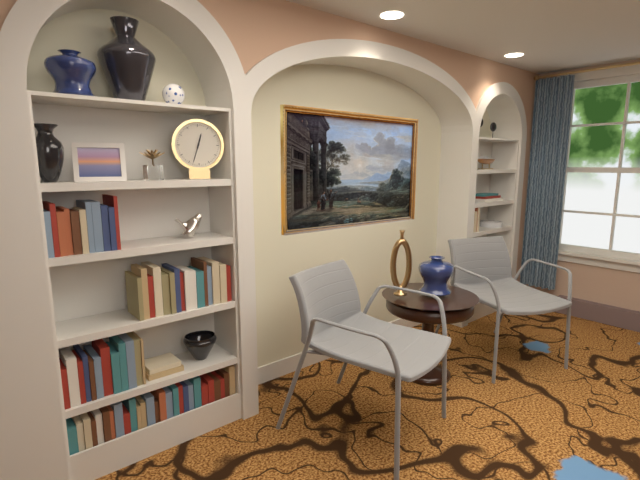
{"hour": 12, "minute": 33}
